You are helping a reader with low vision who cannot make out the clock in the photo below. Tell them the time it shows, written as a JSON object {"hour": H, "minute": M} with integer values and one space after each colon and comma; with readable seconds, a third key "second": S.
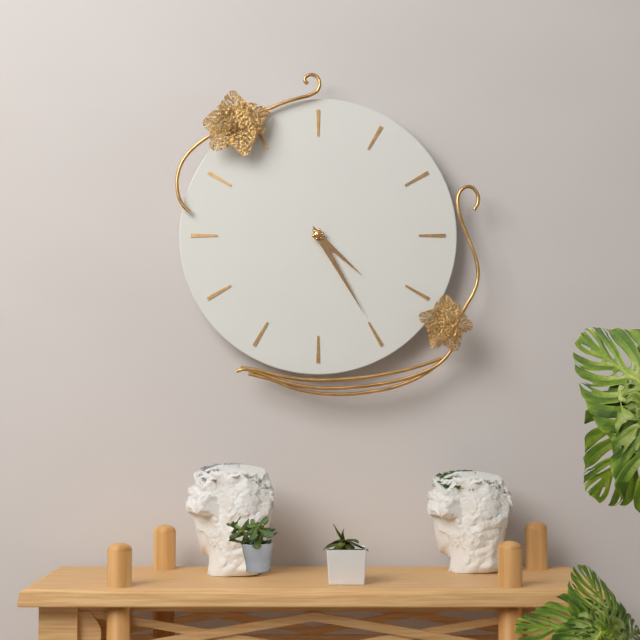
{"hour": 4, "minute": 25}
